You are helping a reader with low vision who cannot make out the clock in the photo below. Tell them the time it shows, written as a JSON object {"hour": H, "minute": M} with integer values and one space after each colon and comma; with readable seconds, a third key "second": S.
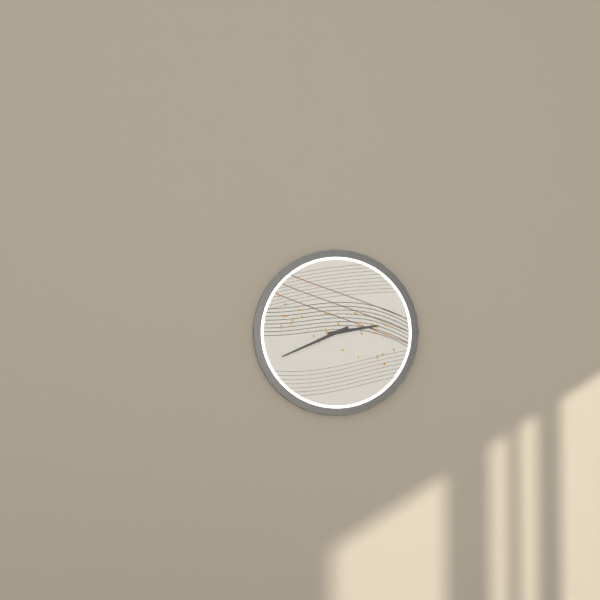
{"hour": 2, "minute": 41}
